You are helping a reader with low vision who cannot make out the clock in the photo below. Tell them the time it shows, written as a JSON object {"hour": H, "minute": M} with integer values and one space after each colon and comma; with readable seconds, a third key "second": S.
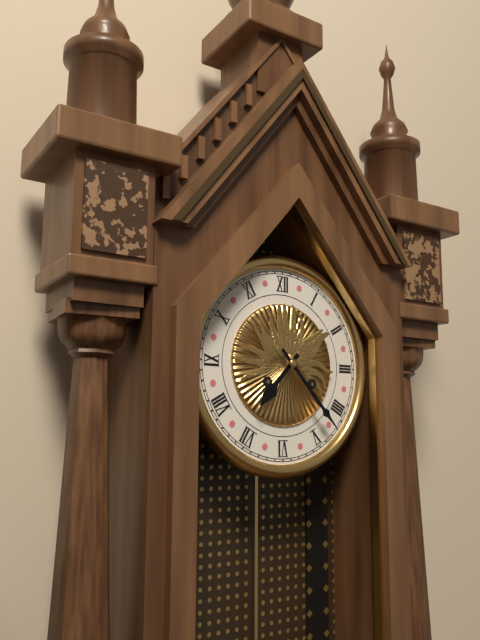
{"hour": 7, "minute": 23}
